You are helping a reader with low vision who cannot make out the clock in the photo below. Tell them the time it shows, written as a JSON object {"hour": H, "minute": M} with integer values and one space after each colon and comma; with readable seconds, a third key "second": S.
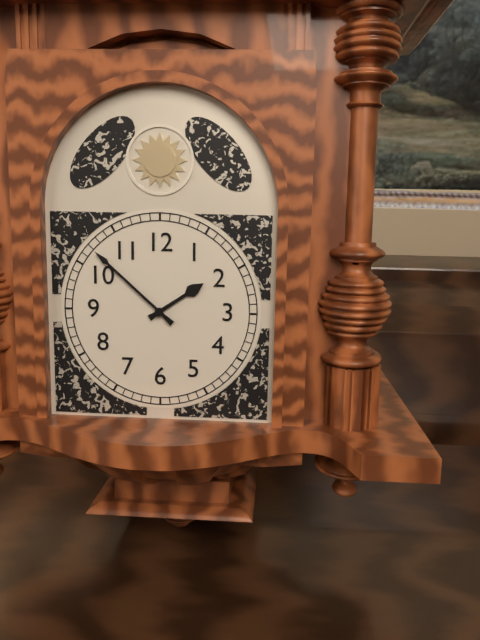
{"hour": 1, "minute": 52}
